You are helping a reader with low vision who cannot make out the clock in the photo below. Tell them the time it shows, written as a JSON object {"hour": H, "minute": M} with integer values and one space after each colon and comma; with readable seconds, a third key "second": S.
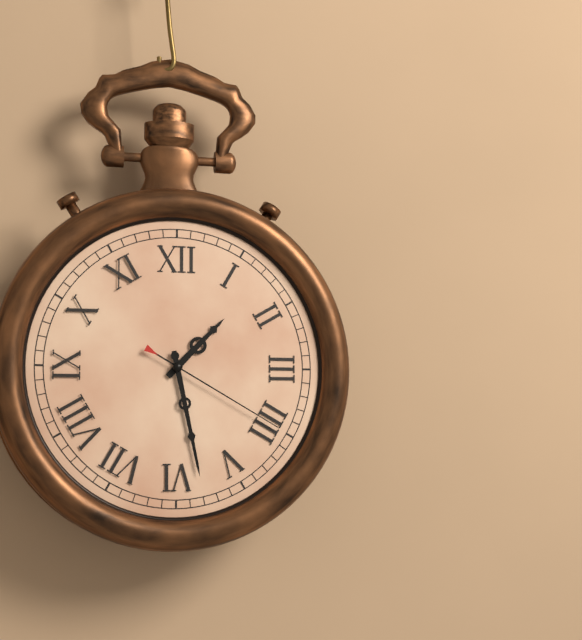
{"hour": 1, "minute": 28, "second": 20}
